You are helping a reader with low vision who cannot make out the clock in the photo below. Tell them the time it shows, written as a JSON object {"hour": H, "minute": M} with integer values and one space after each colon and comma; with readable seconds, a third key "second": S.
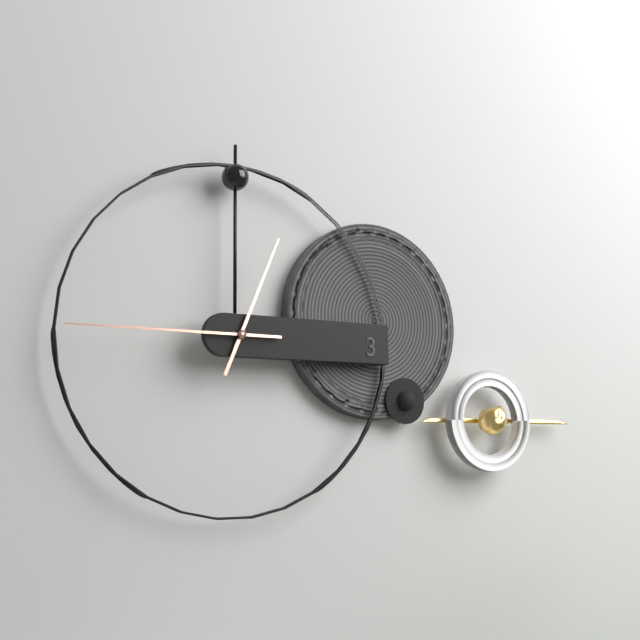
{"hour": 12, "minute": 45}
